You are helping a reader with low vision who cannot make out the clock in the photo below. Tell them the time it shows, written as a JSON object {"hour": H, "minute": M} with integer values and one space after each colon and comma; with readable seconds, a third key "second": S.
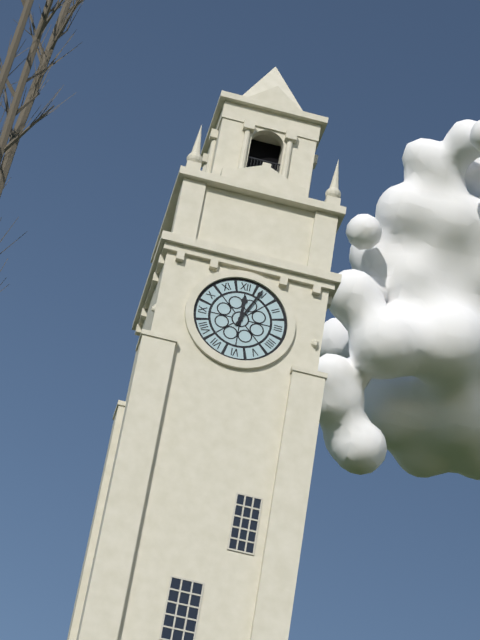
{"hour": 12, "minute": 4}
